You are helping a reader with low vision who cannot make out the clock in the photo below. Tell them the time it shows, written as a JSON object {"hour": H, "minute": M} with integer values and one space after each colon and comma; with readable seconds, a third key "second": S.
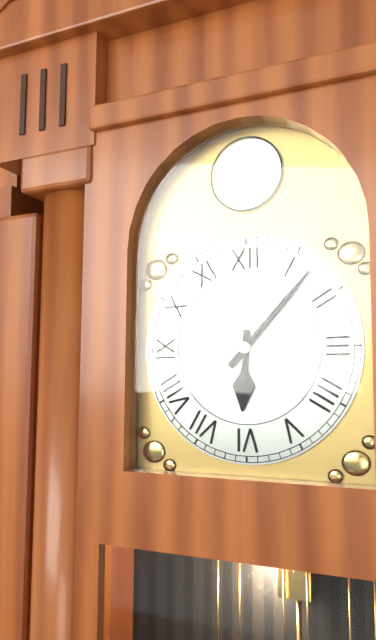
{"hour": 6, "minute": 7}
